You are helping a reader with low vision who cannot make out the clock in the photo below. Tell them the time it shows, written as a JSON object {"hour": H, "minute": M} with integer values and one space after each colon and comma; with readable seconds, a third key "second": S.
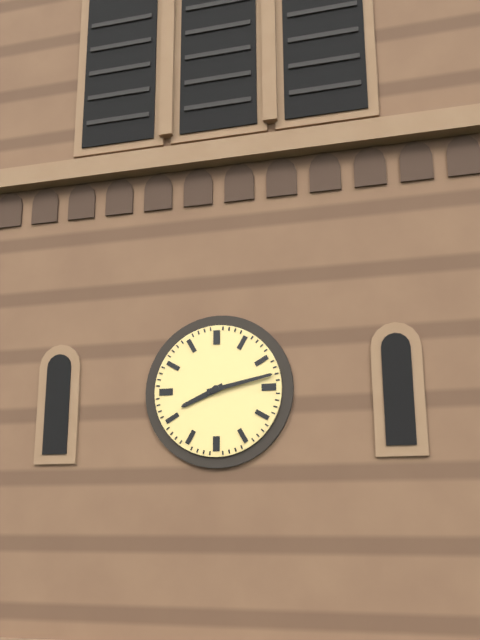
{"hour": 8, "minute": 13}
